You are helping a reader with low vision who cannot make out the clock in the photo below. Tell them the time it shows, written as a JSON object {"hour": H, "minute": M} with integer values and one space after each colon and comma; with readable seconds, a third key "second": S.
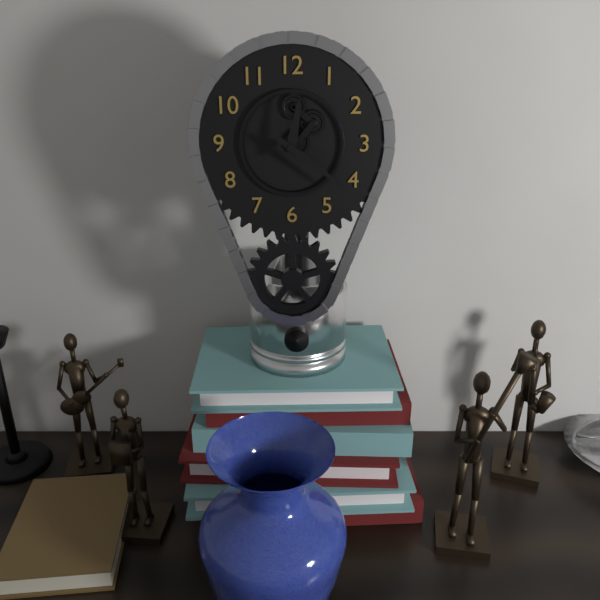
{"hour": 12, "minute": 21}
